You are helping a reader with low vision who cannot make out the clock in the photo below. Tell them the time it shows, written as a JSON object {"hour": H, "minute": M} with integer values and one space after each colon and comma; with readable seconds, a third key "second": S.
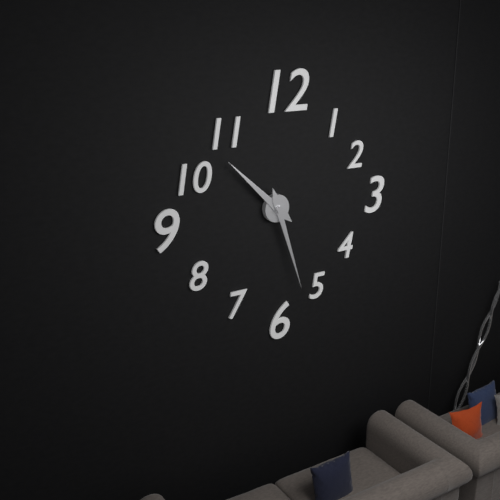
{"hour": 10, "minute": 27}
